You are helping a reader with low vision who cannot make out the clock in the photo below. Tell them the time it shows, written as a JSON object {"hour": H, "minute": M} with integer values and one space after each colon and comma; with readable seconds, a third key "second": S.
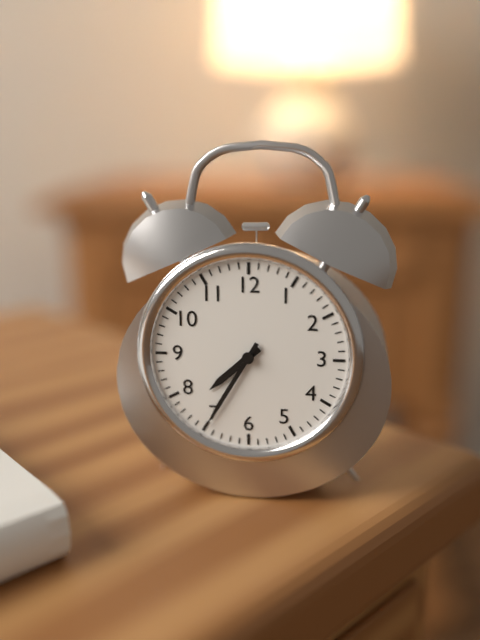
{"hour": 7, "minute": 35}
